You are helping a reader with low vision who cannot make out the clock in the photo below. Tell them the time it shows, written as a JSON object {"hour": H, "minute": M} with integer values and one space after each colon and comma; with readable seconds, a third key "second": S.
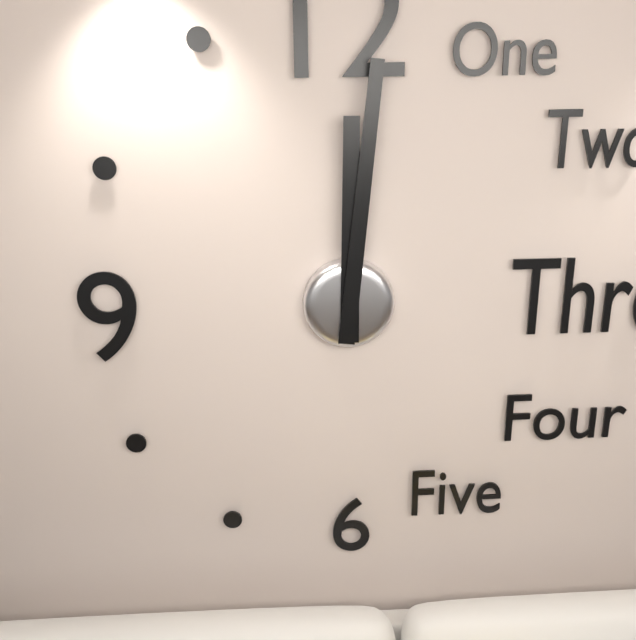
{"hour": 12, "minute": 1}
